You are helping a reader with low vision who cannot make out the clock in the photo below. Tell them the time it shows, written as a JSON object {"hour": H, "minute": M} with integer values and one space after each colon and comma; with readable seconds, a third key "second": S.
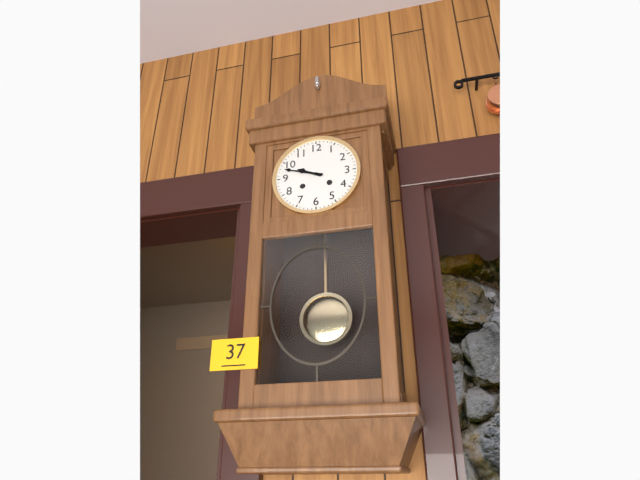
{"hour": 9, "minute": 48}
